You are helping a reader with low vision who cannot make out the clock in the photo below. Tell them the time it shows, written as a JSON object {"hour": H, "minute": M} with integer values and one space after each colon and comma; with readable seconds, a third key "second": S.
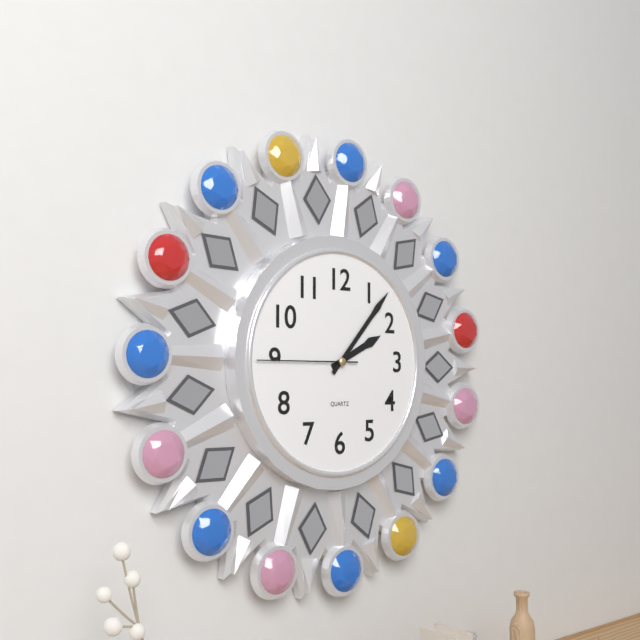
{"hour": 2, "minute": 7, "second": 45}
